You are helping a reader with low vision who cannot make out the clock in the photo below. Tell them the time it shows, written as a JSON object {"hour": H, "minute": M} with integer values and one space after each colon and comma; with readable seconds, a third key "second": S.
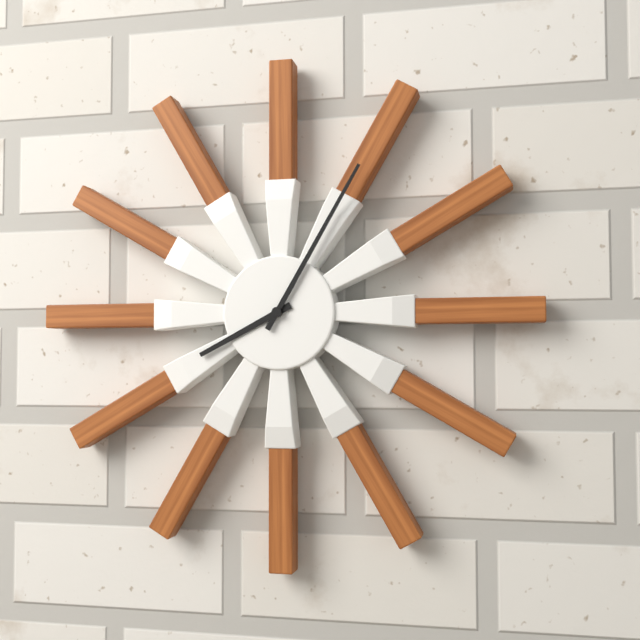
{"hour": 8, "minute": 5}
